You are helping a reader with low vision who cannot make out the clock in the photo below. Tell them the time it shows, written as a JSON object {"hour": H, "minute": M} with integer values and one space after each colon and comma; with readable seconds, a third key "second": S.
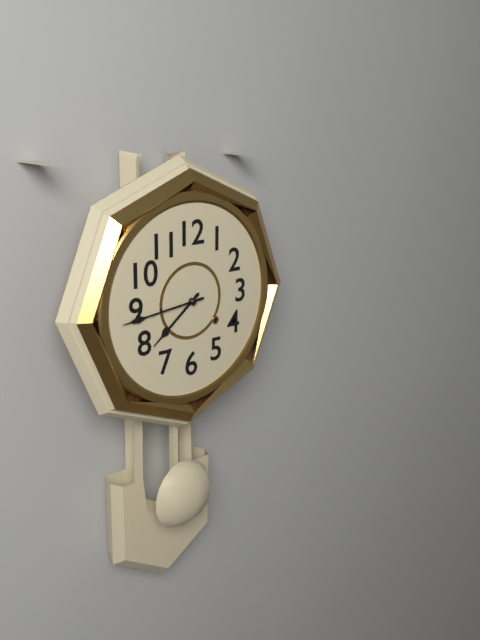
{"hour": 7, "minute": 44}
